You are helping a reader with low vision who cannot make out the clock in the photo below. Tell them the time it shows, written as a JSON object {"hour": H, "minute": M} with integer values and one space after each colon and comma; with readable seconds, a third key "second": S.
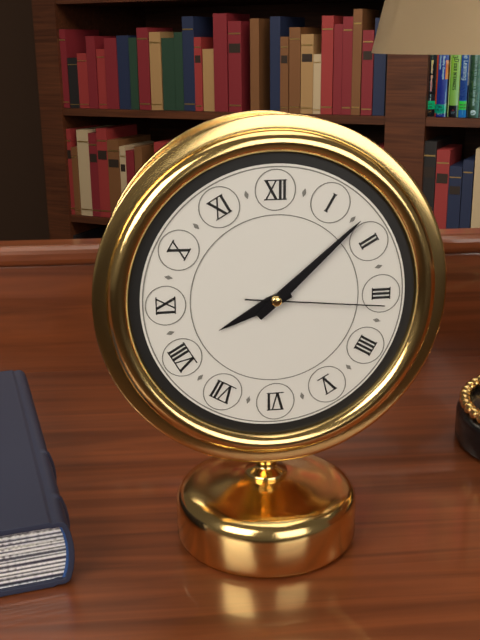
{"hour": 8, "minute": 8, "second": 16}
